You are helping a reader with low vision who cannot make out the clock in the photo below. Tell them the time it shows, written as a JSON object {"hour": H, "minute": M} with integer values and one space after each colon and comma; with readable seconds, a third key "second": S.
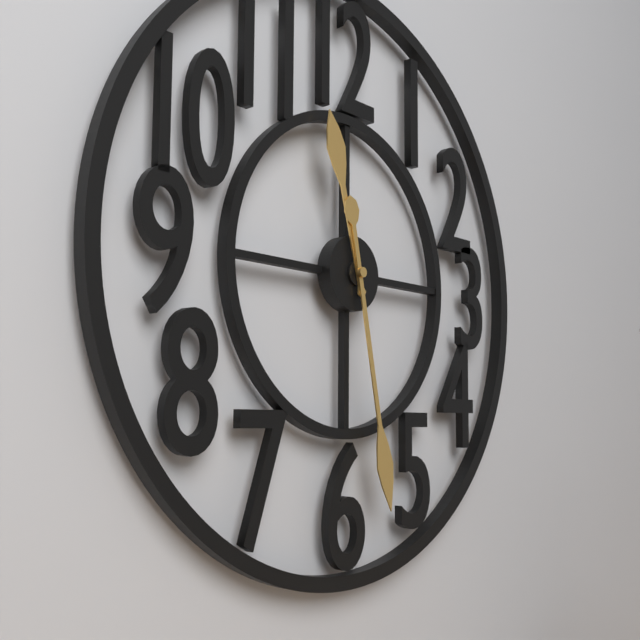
{"hour": 11, "minute": 28}
